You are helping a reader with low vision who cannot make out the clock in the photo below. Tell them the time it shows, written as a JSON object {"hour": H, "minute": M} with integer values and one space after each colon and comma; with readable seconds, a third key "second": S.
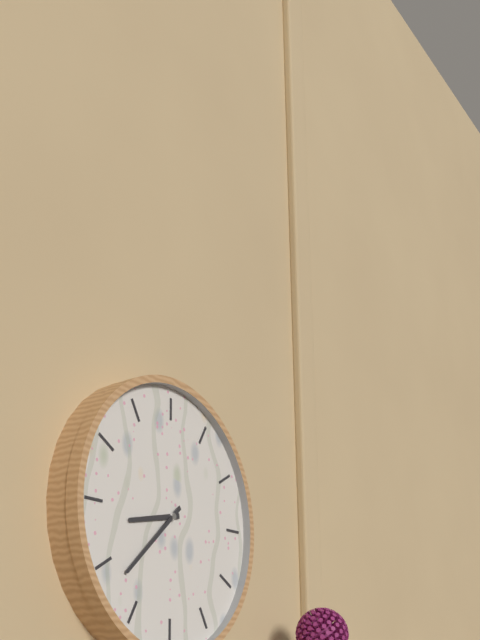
{"hour": 8, "minute": 38}
